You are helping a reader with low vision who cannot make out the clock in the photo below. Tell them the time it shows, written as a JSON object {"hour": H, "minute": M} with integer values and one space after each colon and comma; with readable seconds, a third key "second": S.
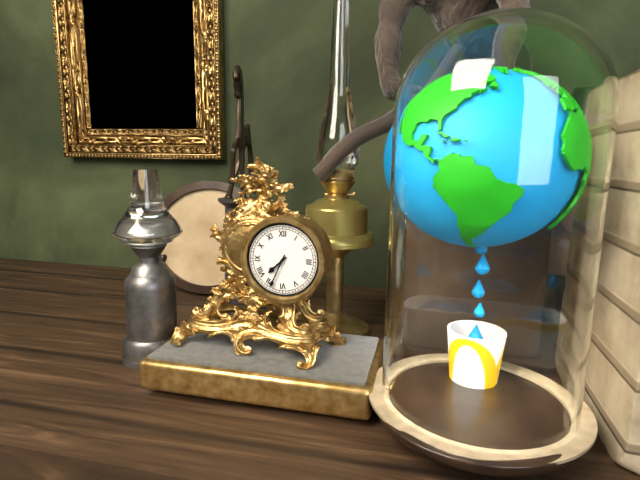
{"hour": 7, "minute": 34}
